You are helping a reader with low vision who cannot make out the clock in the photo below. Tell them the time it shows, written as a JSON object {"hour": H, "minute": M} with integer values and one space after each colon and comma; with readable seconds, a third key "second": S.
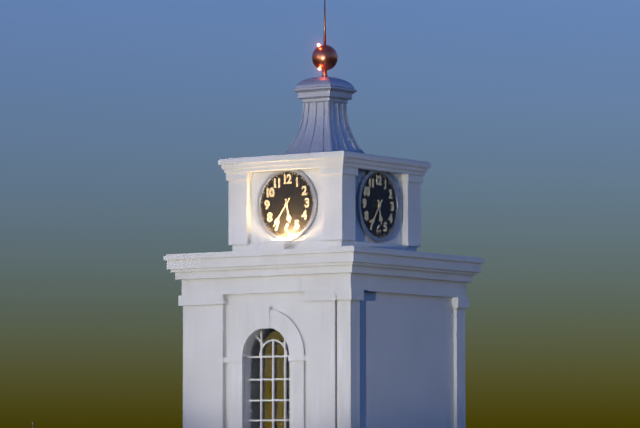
{"hour": 5, "minute": 36}
